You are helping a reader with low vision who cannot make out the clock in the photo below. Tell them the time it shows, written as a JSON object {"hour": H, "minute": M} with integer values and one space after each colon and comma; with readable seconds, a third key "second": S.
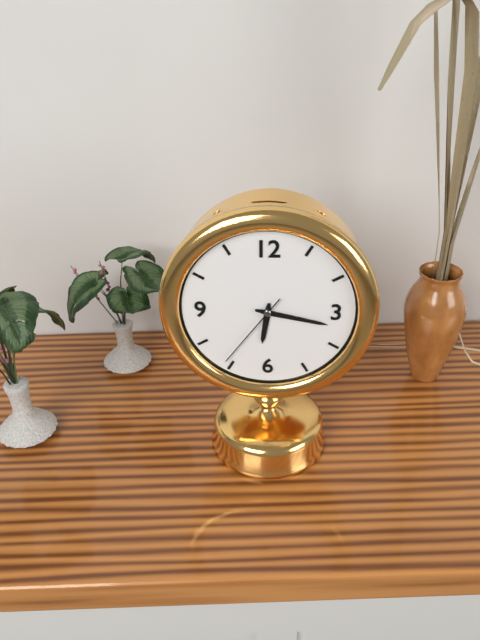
{"hour": 6, "minute": 17, "second": 36}
